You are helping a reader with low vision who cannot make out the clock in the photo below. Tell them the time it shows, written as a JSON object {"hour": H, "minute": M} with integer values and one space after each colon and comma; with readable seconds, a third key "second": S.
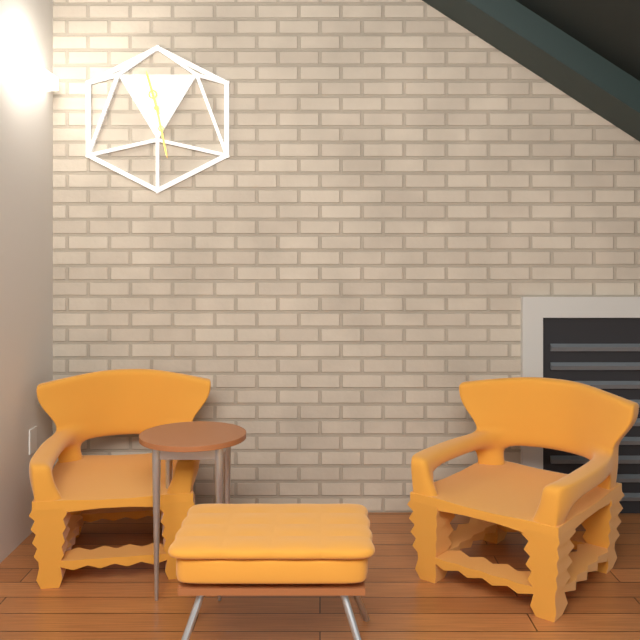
{"hour": 11, "minute": 28}
